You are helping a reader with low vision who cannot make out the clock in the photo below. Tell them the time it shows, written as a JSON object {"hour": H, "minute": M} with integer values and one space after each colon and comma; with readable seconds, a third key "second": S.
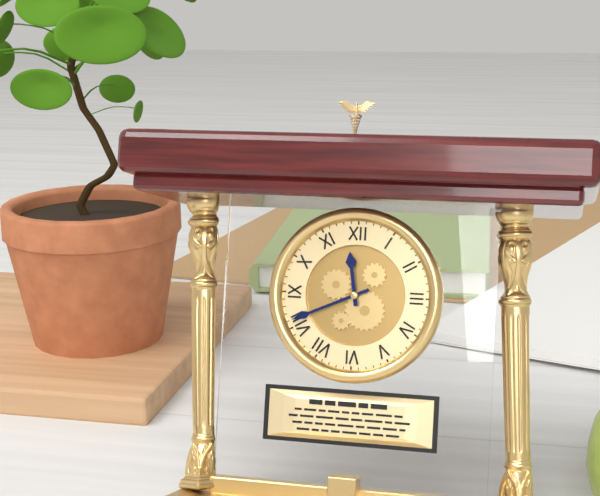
{"hour": 11, "minute": 41}
